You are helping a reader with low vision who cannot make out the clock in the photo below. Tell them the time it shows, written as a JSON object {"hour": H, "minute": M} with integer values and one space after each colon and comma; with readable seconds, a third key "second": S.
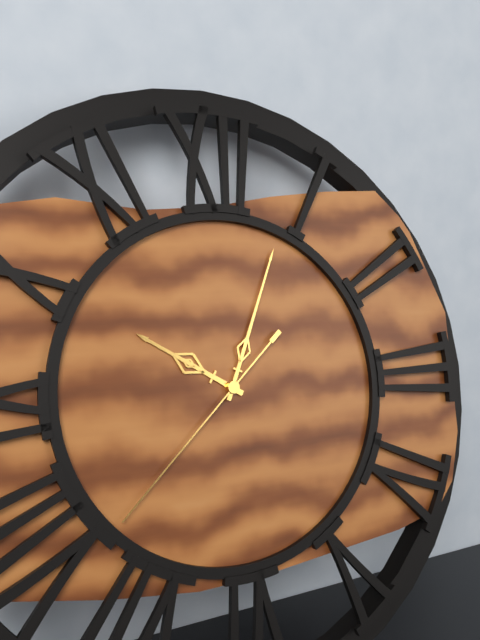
{"hour": 10, "minute": 4, "second": 38}
